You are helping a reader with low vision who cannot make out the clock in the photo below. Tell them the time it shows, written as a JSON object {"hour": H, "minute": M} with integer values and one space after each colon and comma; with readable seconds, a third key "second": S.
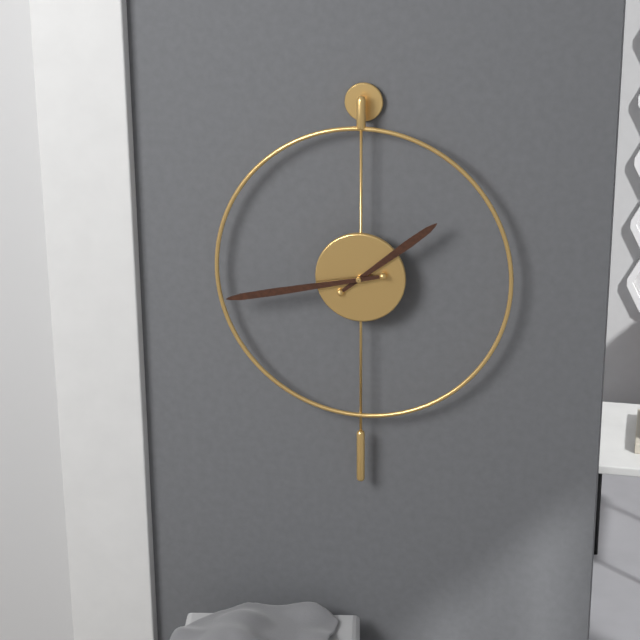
{"hour": 1, "minute": 43}
